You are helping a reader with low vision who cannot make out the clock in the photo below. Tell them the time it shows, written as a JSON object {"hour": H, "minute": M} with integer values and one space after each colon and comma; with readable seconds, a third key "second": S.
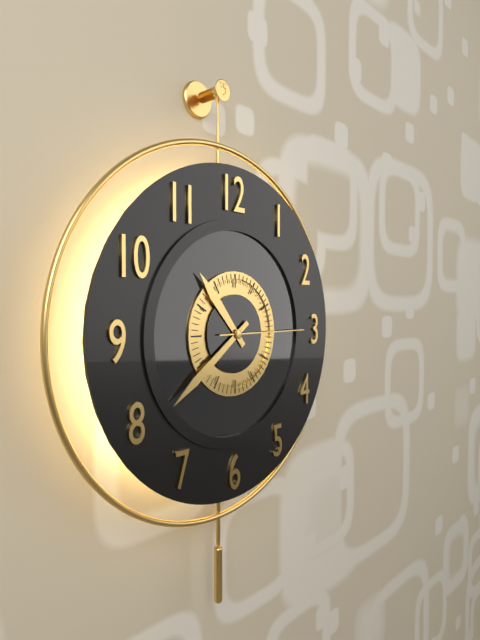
{"hour": 10, "minute": 39, "second": 15}
